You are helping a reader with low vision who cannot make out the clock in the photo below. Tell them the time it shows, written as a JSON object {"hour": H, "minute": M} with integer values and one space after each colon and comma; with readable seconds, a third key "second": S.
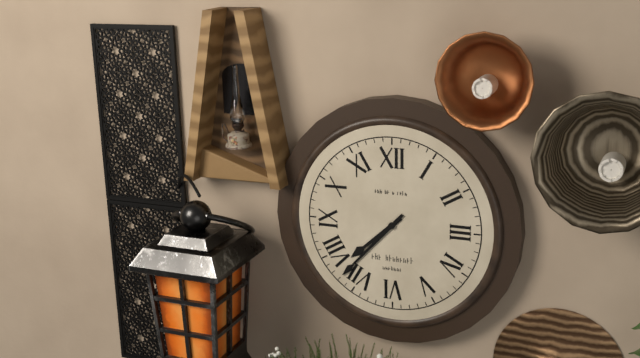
{"hour": 7, "minute": 37}
